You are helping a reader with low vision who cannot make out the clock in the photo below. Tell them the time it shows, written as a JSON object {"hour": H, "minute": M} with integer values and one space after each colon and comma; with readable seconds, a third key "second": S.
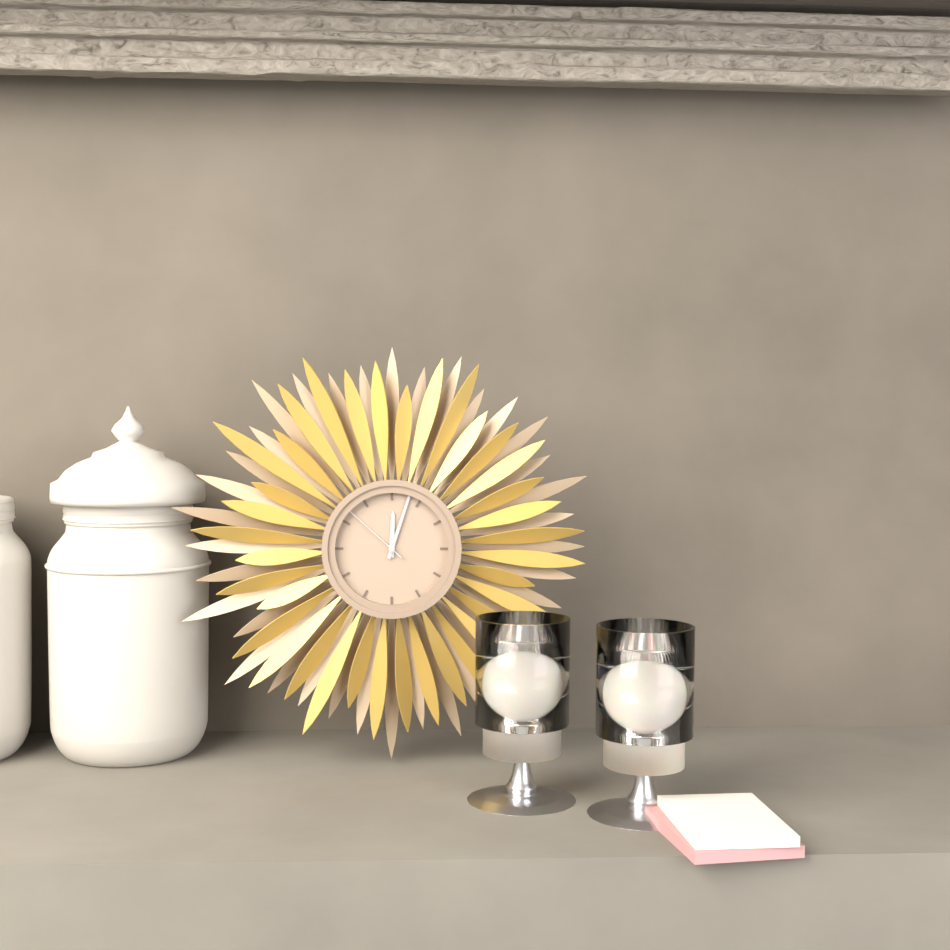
{"hour": 12, "minute": 3, "second": 52}
